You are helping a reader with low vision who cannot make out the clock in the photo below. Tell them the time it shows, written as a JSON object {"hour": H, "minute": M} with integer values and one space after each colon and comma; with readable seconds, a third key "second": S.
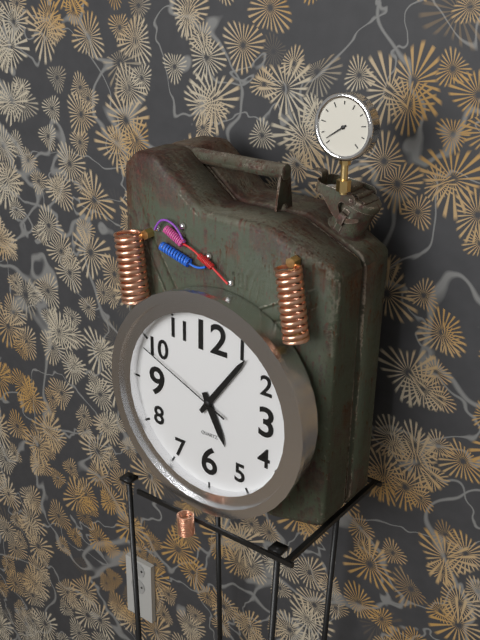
{"hour": 5, "minute": 6, "second": 49}
